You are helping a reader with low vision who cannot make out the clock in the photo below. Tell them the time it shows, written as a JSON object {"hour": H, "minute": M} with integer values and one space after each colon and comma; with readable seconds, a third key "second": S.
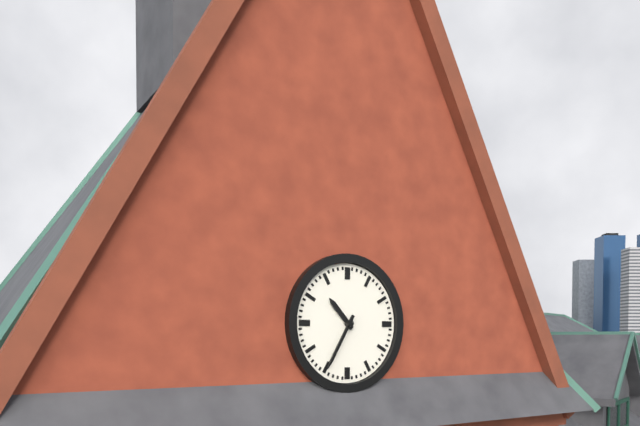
{"hour": 10, "minute": 35}
